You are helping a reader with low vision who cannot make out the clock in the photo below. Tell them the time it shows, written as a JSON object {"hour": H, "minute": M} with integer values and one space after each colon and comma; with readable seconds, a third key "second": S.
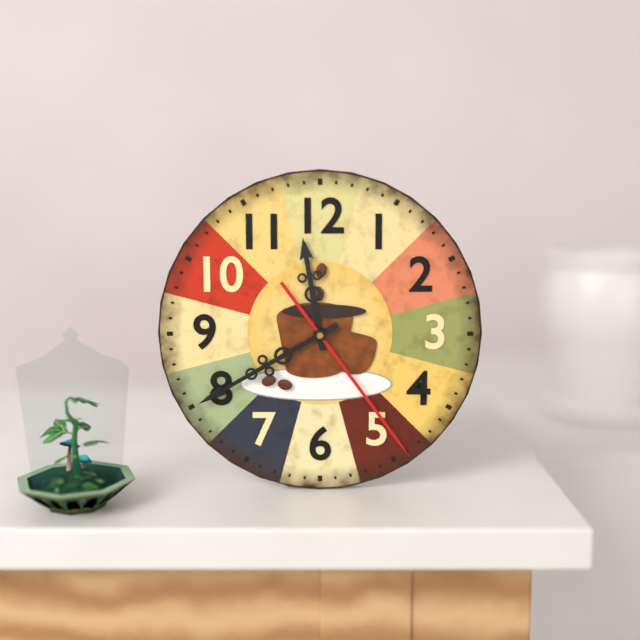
{"hour": 11, "minute": 40, "second": 24}
